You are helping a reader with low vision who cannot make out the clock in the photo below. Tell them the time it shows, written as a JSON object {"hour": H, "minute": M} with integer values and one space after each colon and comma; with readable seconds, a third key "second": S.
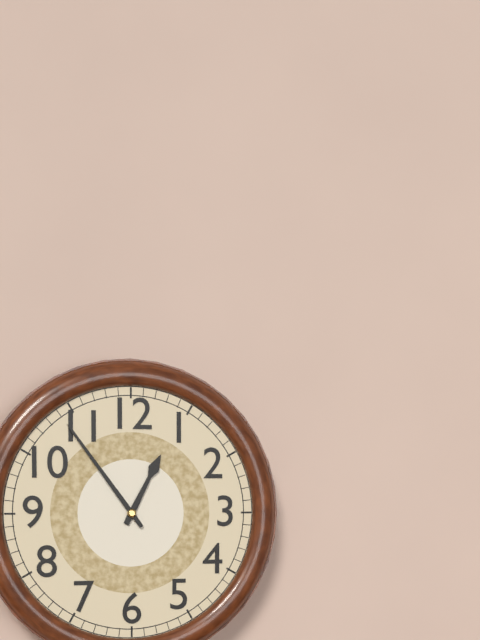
{"hour": 12, "minute": 54}
